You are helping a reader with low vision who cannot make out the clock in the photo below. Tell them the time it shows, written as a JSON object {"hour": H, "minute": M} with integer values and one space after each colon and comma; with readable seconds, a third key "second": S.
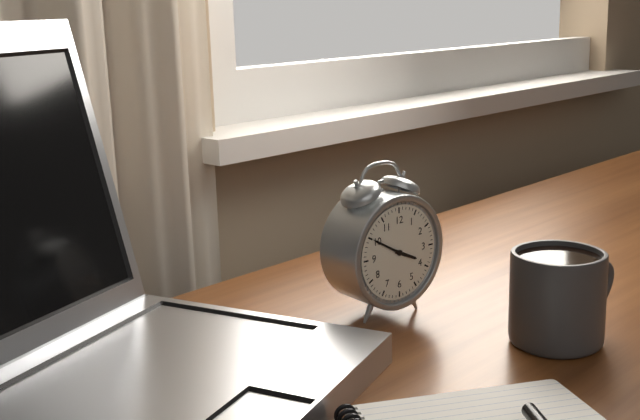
{"hour": 3, "minute": 50}
